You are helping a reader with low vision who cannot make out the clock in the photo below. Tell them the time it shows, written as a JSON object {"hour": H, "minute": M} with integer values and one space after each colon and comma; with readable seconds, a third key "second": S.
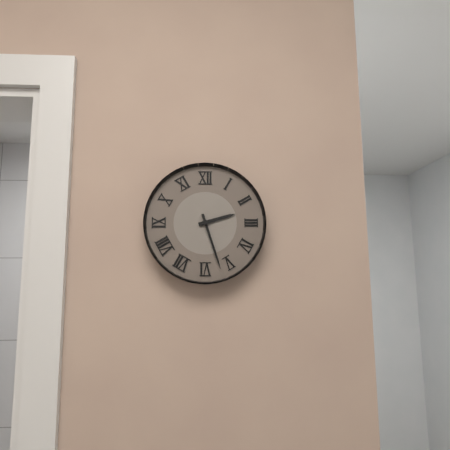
{"hour": 2, "minute": 27}
